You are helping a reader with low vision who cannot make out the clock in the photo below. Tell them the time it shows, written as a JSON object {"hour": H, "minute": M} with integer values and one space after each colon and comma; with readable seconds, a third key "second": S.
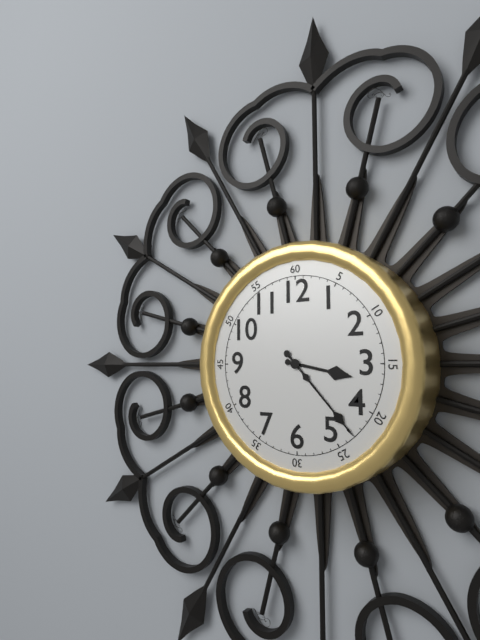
{"hour": 3, "minute": 23}
